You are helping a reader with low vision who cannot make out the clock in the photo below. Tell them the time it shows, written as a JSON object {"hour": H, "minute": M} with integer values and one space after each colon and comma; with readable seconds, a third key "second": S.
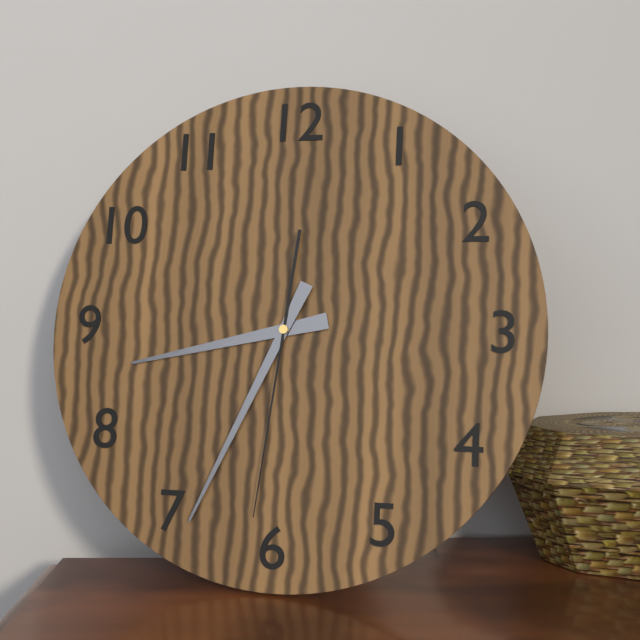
{"hour": 8, "minute": 34, "second": 31}
